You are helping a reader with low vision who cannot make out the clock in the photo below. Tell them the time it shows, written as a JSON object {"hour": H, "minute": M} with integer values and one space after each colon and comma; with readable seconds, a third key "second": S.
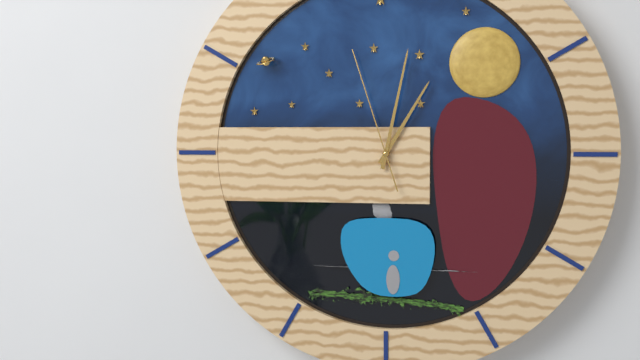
{"hour": 1, "minute": 2, "second": 57}
